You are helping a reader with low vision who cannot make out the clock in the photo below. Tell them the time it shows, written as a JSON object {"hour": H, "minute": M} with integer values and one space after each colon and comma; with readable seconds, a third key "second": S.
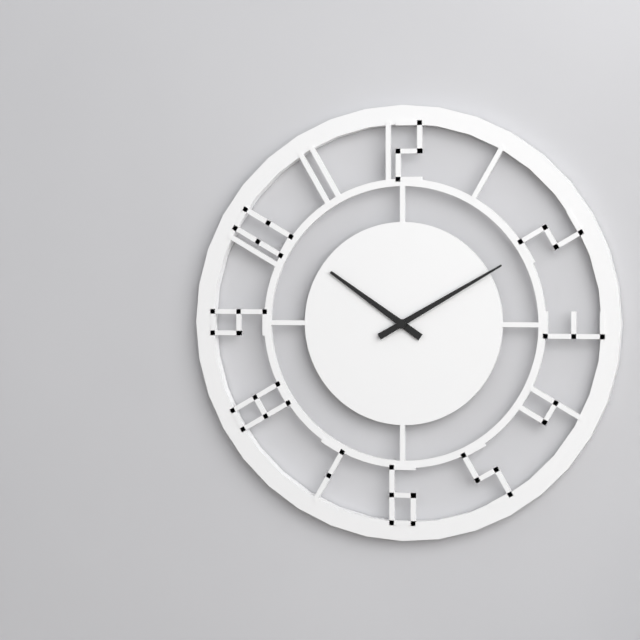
{"hour": 10, "minute": 10}
